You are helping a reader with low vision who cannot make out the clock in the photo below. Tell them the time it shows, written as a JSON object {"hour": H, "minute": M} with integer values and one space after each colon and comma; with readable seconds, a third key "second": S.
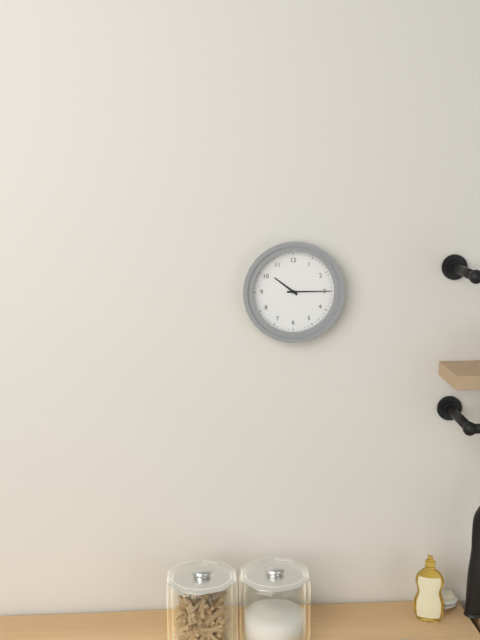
{"hour": 10, "minute": 15}
